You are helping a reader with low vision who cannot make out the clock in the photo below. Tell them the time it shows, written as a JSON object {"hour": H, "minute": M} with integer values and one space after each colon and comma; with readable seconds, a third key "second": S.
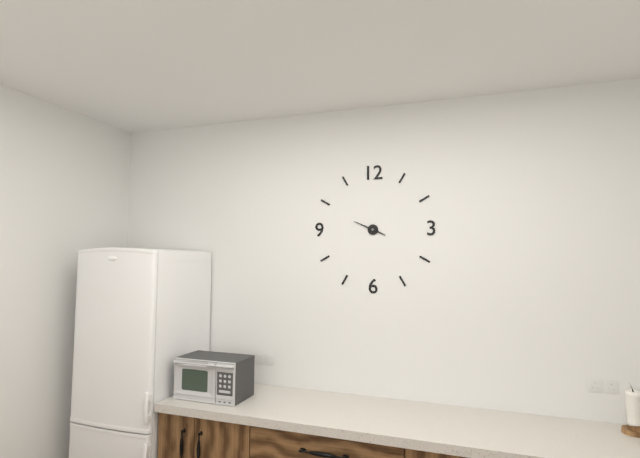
{"hour": 3, "minute": 49}
